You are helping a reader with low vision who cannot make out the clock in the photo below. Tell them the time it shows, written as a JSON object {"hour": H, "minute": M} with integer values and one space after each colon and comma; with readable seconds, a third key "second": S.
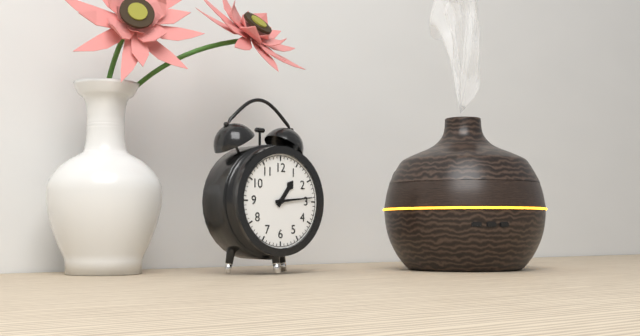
{"hour": 1, "minute": 14}
